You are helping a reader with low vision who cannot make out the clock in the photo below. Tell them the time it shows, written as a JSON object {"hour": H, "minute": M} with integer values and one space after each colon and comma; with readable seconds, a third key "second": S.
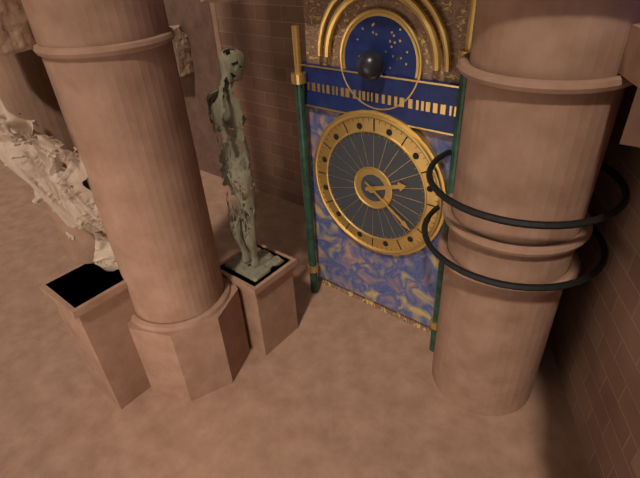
{"hour": 2, "minute": 21}
